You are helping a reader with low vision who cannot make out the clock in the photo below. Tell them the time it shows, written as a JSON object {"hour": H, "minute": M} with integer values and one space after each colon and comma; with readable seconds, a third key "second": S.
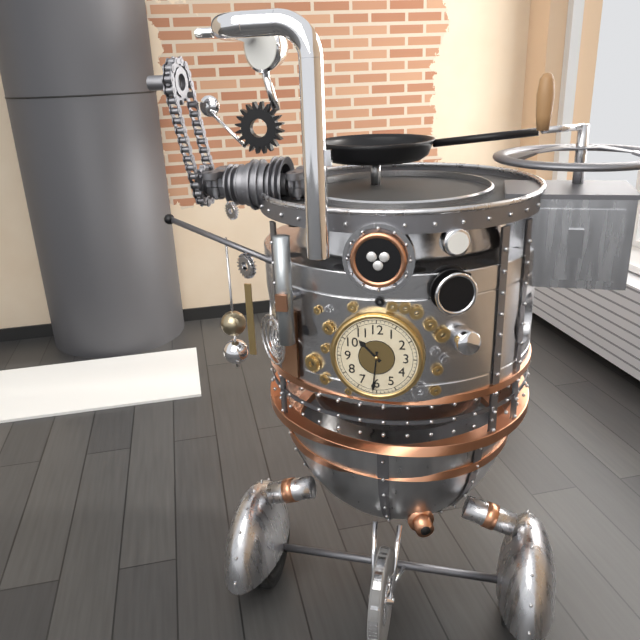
{"hour": 10, "minute": 31}
